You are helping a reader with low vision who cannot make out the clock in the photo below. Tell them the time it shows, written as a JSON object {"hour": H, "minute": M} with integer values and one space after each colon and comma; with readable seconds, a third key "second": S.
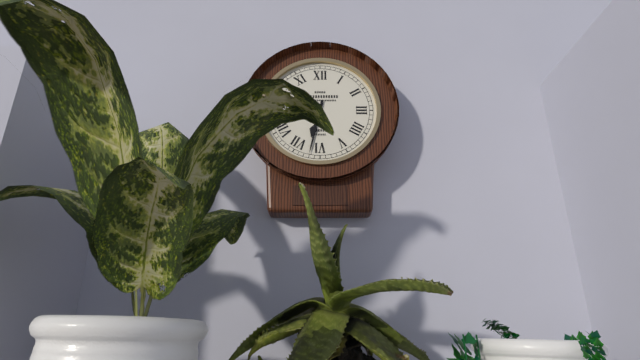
{"hour": 6, "minute": 32}
